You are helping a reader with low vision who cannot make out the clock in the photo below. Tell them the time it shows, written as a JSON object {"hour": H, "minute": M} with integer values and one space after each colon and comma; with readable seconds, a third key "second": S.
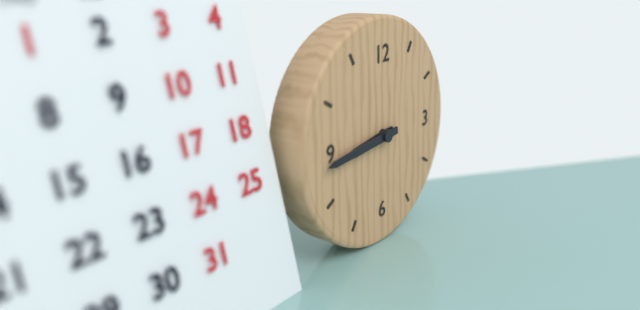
{"hour": 8, "minute": 44}
